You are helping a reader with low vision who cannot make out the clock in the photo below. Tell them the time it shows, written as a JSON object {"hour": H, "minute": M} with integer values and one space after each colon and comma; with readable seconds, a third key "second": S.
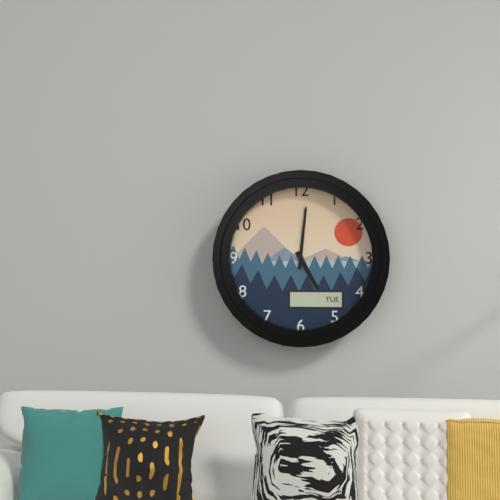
{"hour": 5, "minute": 1}
